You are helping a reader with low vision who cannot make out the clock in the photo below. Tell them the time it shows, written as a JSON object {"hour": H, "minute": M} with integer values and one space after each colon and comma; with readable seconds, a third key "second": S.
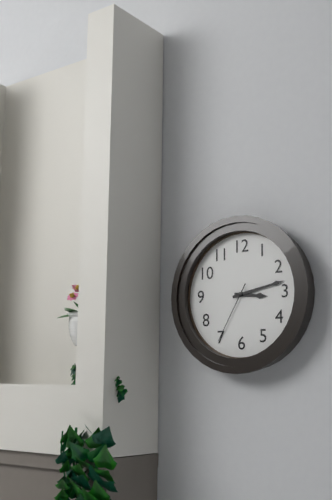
{"hour": 3, "minute": 13, "second": 35}
